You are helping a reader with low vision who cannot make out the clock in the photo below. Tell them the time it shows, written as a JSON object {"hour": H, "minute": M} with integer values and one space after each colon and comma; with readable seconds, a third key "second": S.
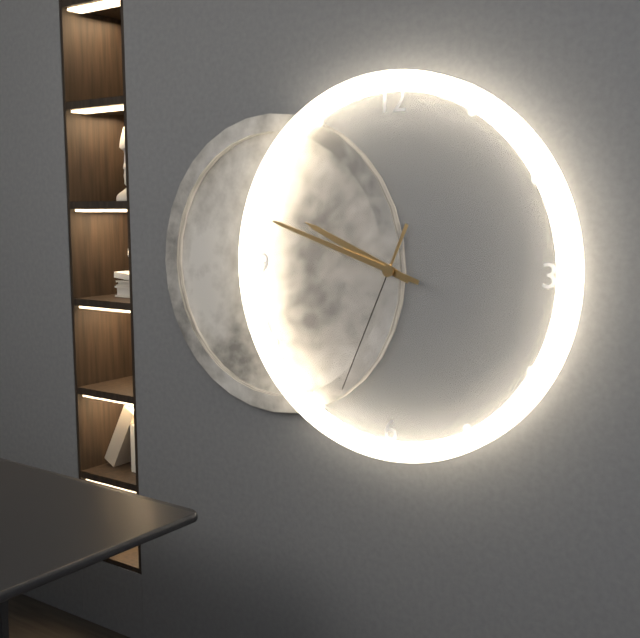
{"hour": 9, "minute": 48, "second": 34}
